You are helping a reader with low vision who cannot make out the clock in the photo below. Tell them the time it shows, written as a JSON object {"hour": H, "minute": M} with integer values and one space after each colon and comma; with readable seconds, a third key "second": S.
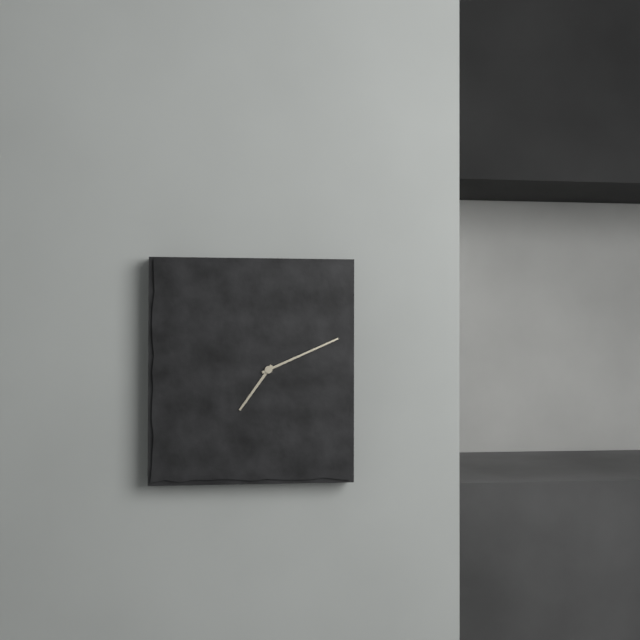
{"hour": 7, "minute": 11}
